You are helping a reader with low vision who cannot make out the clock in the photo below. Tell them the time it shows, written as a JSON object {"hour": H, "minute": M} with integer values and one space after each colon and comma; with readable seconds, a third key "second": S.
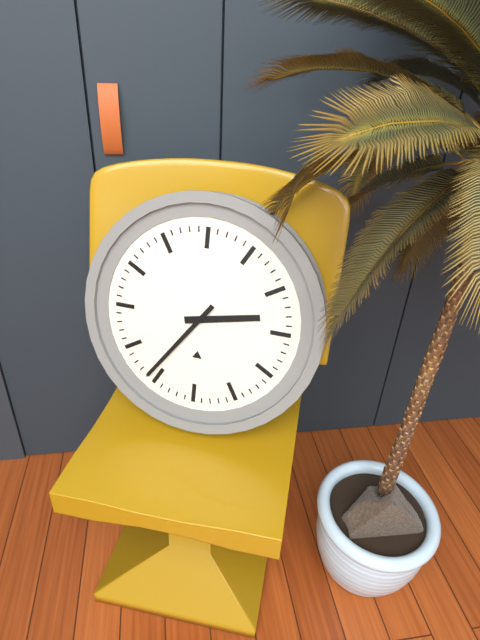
{"hour": 2, "minute": 36}
